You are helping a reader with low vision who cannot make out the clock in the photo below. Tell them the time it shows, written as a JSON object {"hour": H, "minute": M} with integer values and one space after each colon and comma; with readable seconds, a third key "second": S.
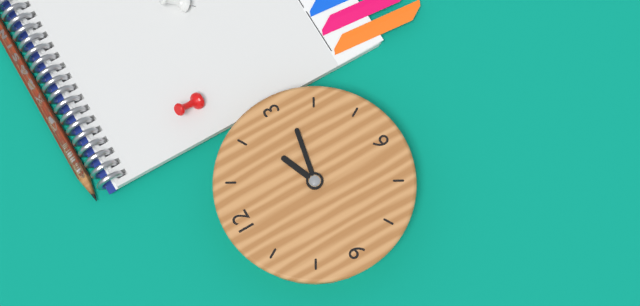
{"hour": 2, "minute": 17}
